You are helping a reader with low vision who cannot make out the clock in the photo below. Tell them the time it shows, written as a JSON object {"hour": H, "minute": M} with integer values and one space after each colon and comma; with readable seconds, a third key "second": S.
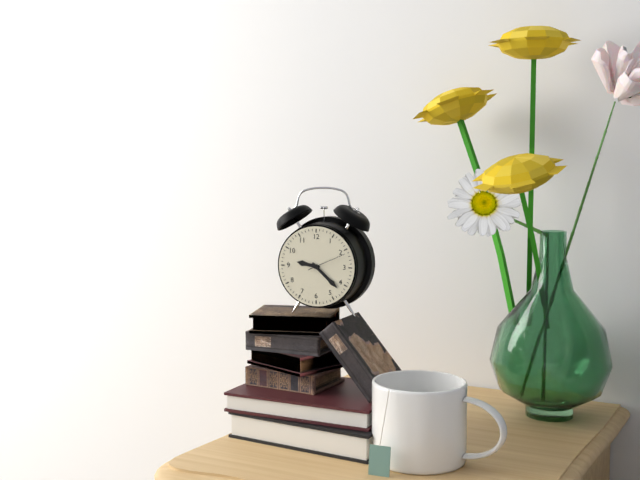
{"hour": 9, "minute": 22}
